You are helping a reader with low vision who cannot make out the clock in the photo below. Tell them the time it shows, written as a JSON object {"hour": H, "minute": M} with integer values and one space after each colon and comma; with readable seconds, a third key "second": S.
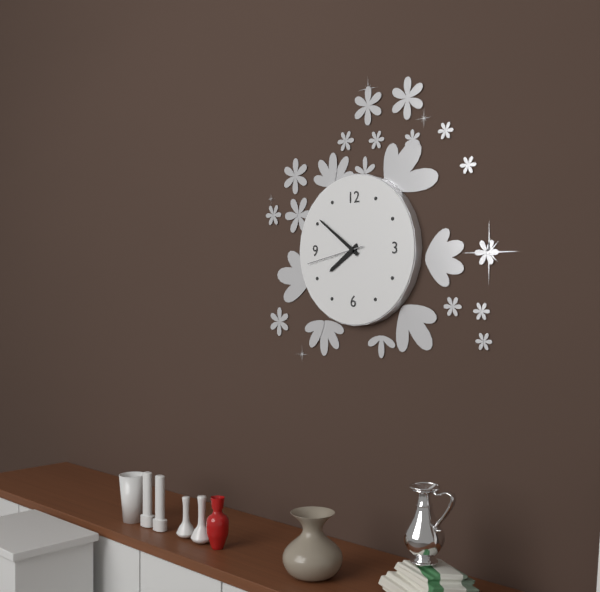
{"hour": 7, "minute": 51, "second": 43}
